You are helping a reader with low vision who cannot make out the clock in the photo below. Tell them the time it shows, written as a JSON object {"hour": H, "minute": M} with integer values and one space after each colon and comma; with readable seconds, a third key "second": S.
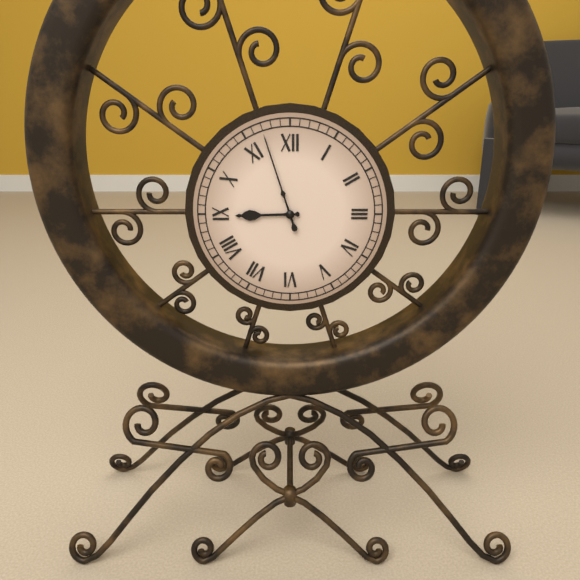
{"hour": 8, "minute": 57}
